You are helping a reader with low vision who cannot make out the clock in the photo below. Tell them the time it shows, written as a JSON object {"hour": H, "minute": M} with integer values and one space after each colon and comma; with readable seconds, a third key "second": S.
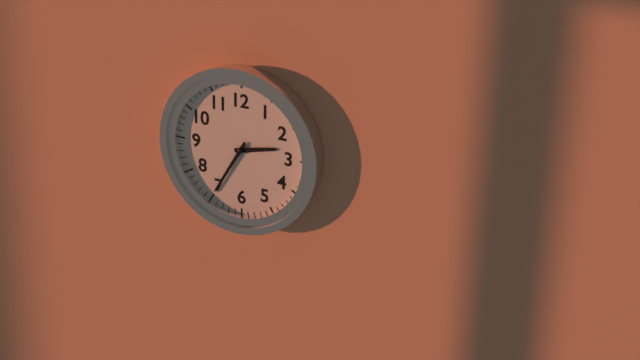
{"hour": 2, "minute": 35}
